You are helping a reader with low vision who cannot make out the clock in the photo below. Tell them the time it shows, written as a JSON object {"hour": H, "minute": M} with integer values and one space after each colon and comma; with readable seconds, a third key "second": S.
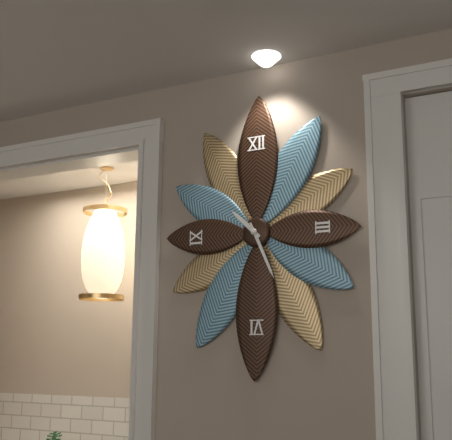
{"hour": 10, "minute": 26}
